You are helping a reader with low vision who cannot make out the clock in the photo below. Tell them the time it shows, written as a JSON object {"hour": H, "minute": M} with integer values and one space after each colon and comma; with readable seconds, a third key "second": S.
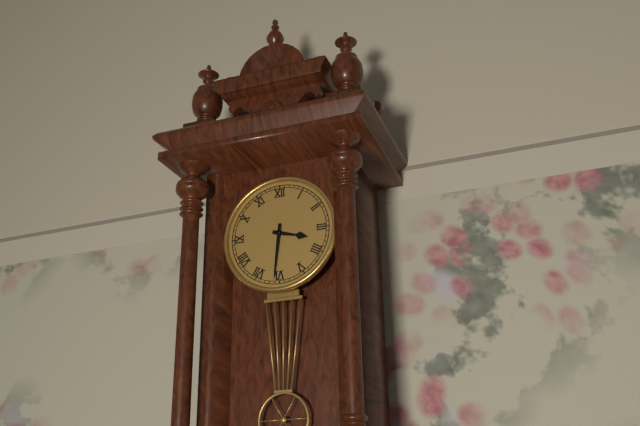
{"hour": 3, "minute": 31}
